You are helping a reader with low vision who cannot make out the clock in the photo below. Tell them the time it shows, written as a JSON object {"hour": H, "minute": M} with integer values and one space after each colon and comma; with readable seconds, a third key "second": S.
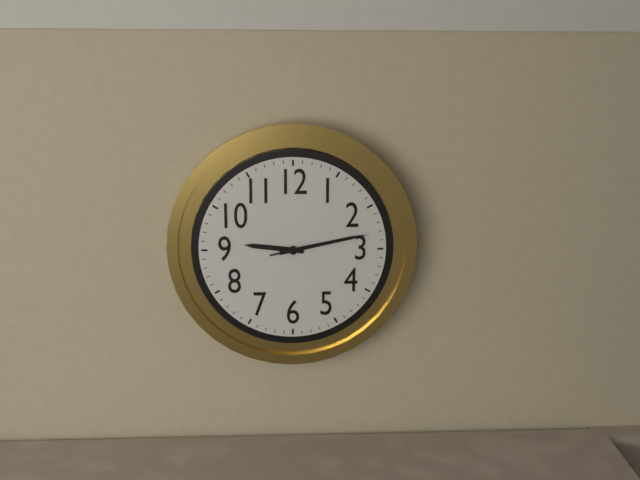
{"hour": 9, "minute": 13, "second": 13}
